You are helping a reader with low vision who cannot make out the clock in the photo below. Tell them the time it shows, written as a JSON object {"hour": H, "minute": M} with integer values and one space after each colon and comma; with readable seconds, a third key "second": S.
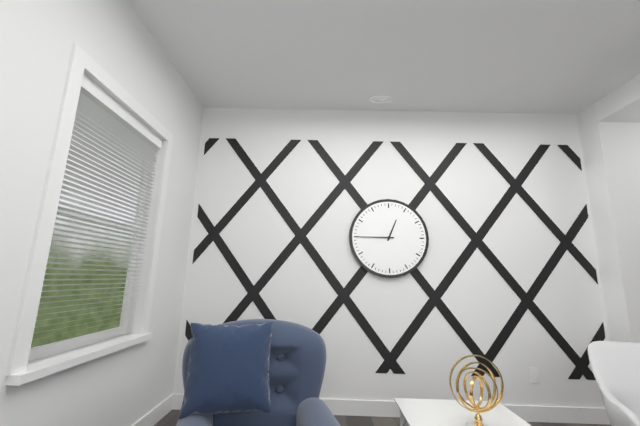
{"hour": 12, "minute": 45}
